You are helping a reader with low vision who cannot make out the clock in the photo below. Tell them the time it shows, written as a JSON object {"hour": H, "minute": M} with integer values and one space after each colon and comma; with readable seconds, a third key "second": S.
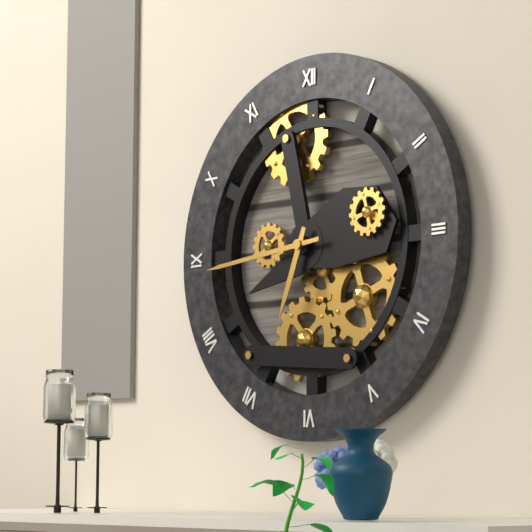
{"hour": 6, "minute": 44}
